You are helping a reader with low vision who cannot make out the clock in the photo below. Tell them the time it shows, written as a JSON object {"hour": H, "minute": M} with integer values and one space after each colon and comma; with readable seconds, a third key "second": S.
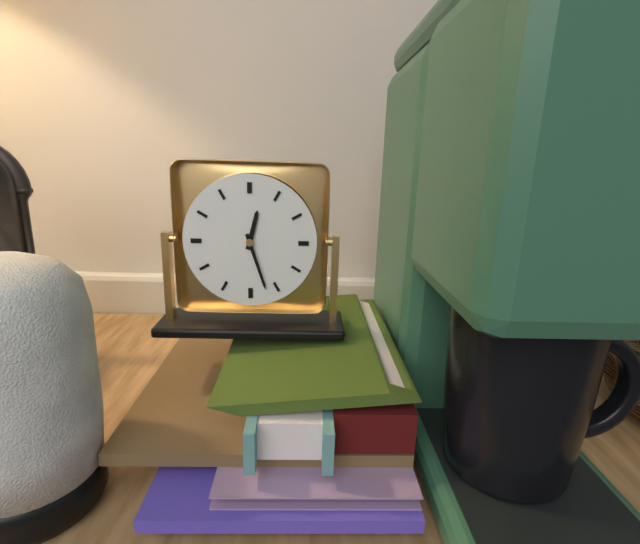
{"hour": 12, "minute": 27}
